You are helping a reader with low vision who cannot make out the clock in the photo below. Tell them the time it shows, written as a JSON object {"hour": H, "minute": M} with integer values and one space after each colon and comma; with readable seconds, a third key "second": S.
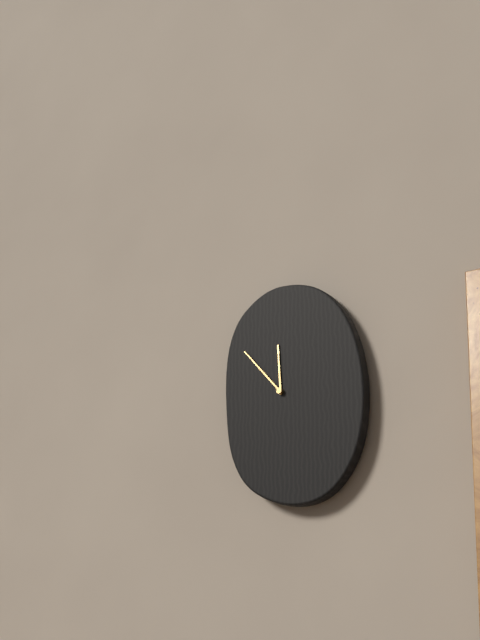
{"hour": 11, "minute": 53}
